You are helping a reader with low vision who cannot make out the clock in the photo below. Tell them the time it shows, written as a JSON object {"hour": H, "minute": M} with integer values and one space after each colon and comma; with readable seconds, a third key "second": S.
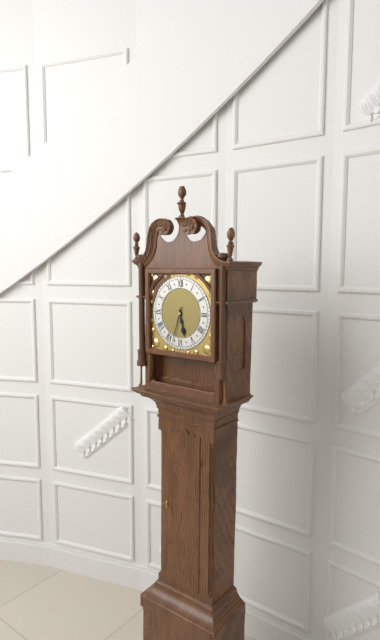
{"hour": 5, "minute": 33}
